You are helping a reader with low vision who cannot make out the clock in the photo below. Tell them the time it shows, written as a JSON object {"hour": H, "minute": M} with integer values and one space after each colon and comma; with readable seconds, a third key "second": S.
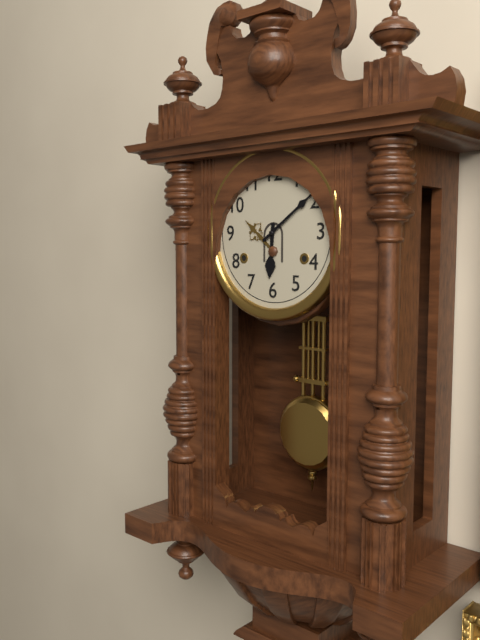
{"hour": 6, "minute": 9}
